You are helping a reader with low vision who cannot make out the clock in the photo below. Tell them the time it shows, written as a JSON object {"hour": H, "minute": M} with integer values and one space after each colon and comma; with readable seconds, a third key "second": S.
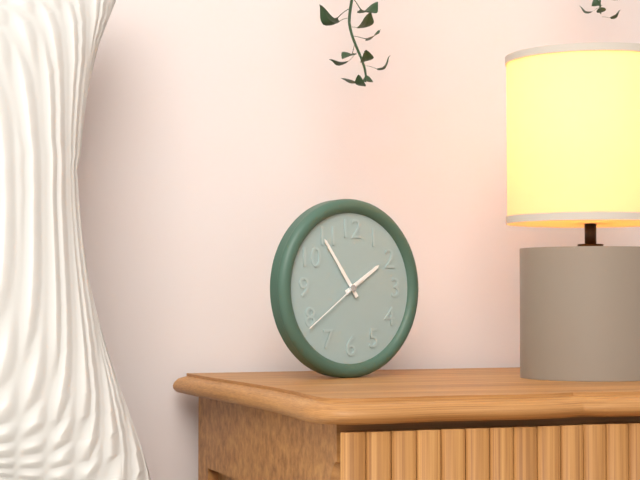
{"hour": 1, "minute": 54, "second": 39}
